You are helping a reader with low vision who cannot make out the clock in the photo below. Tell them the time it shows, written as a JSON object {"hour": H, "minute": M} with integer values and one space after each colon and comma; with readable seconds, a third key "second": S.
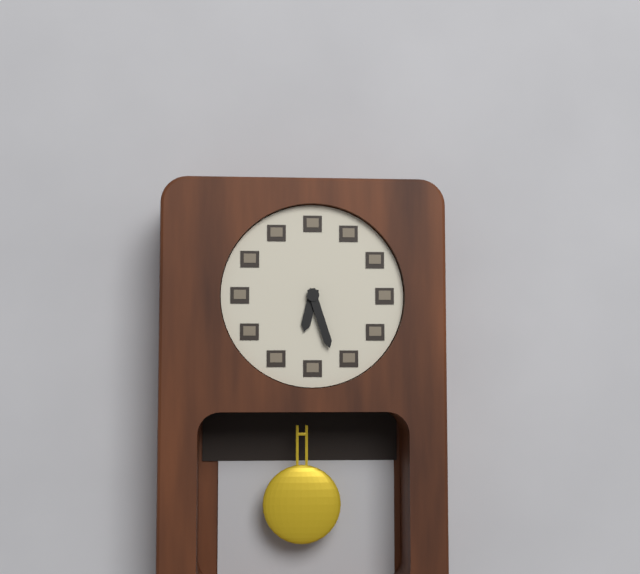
{"hour": 6, "minute": 27}
